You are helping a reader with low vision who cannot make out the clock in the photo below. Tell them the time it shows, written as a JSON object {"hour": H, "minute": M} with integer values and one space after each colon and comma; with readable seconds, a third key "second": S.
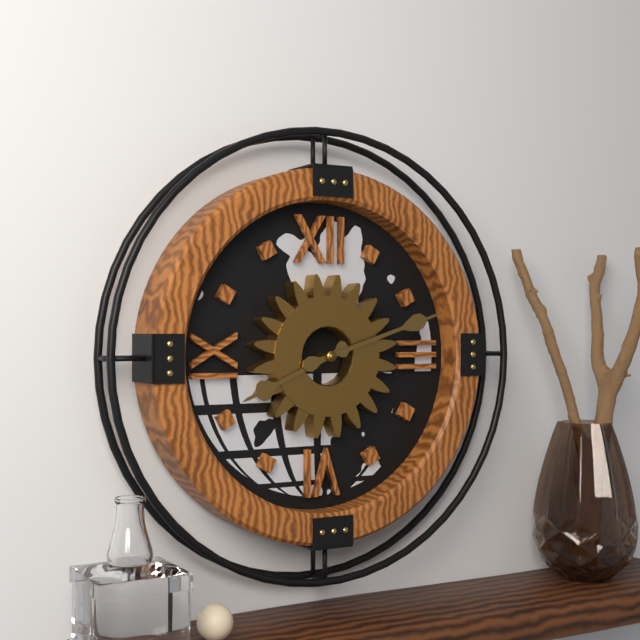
{"hour": 8, "minute": 12}
